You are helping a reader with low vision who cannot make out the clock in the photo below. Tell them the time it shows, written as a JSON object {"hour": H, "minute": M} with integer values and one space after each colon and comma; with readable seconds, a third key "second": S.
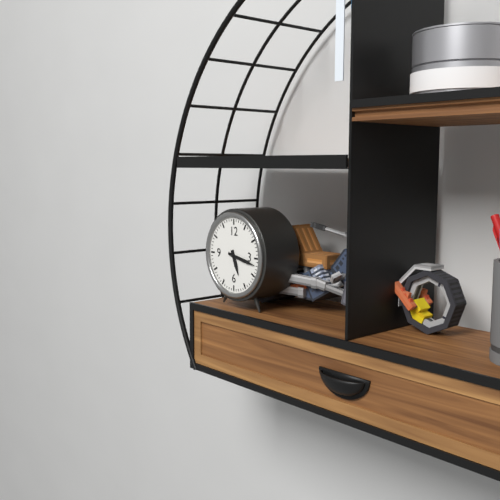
{"hour": 5, "minute": 17}
